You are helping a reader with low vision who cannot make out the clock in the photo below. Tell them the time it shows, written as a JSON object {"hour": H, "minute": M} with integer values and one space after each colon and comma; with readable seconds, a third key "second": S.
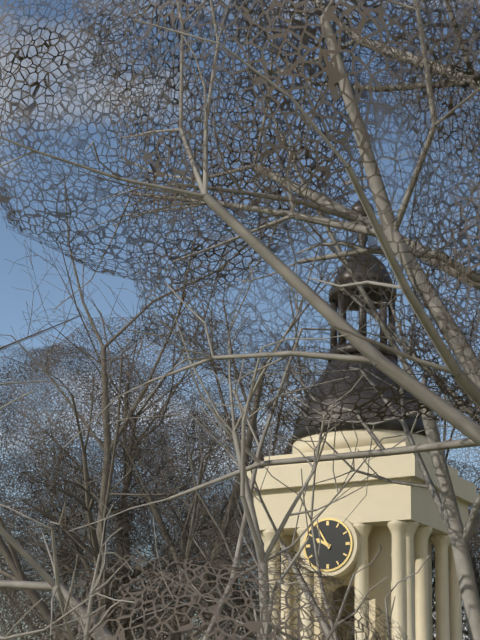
{"hour": 9, "minute": 55}
